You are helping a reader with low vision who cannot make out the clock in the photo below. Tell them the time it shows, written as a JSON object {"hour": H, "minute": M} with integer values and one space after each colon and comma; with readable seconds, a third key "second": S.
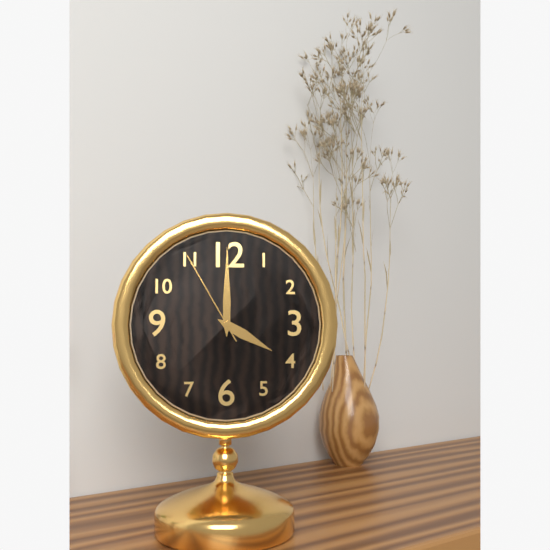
{"hour": 4, "minute": 0, "second": 55}
